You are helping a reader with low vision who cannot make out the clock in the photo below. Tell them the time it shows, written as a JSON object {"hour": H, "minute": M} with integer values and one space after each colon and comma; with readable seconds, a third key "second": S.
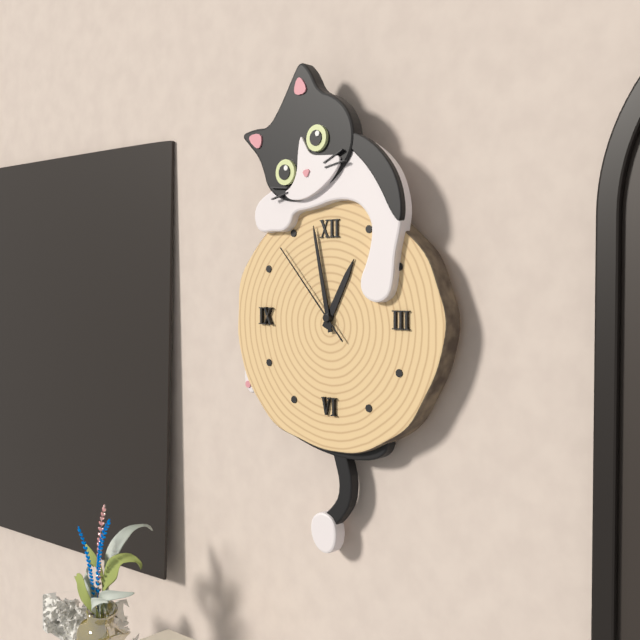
{"hour": 12, "minute": 58, "second": 53}
